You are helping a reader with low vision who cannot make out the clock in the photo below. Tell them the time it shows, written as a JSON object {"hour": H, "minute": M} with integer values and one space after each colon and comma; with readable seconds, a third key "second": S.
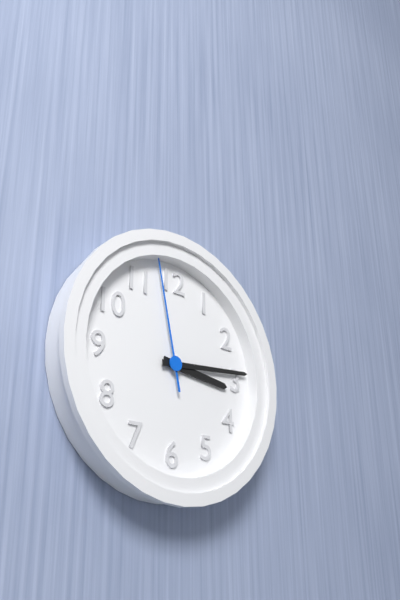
{"hour": 3, "minute": 14, "second": 58}
